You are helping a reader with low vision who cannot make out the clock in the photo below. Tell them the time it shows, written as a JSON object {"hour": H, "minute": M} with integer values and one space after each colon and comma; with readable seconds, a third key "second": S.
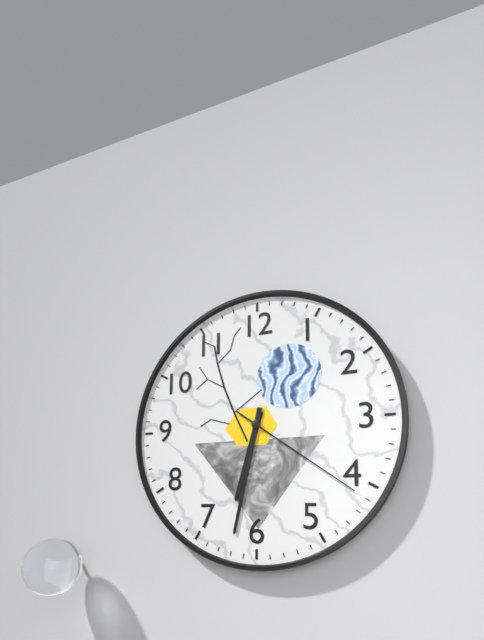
{"hour": 6, "minute": 32, "second": 21}
